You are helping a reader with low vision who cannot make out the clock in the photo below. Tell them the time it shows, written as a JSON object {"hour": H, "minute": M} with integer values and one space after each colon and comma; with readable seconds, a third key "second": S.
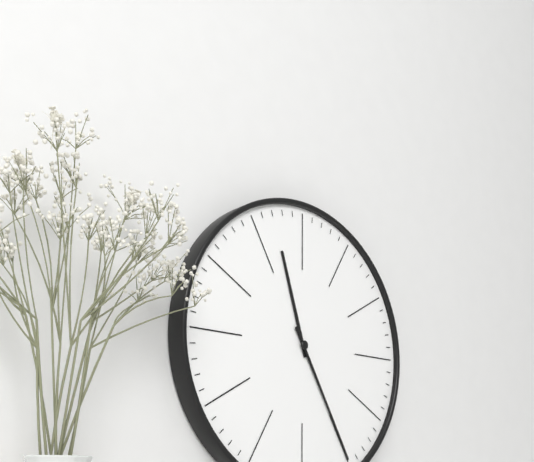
{"hour": 11, "minute": 25}
